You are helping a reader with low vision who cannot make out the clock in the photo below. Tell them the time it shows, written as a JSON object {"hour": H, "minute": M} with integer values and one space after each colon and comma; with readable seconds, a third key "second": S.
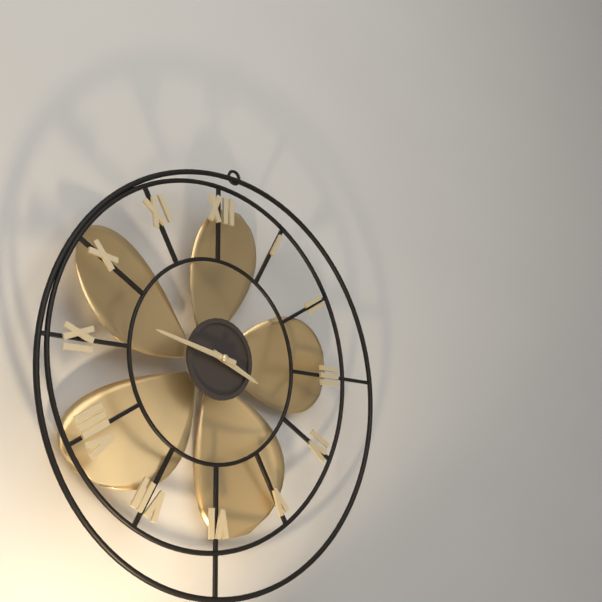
{"hour": 3, "minute": 47}
